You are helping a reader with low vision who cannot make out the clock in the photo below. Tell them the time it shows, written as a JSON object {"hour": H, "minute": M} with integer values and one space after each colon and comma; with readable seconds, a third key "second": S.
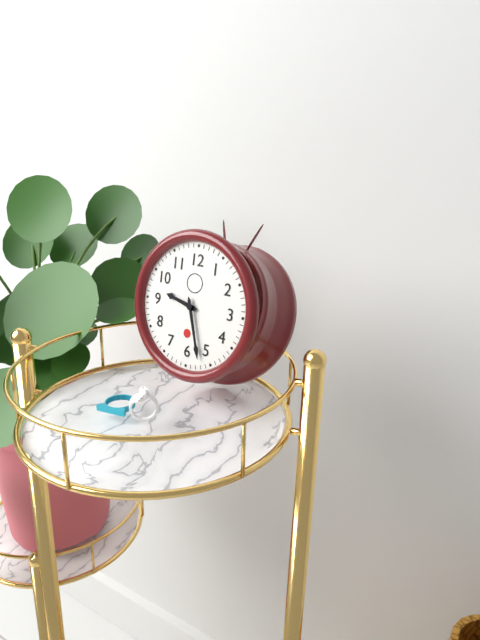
{"hour": 9, "minute": 27}
